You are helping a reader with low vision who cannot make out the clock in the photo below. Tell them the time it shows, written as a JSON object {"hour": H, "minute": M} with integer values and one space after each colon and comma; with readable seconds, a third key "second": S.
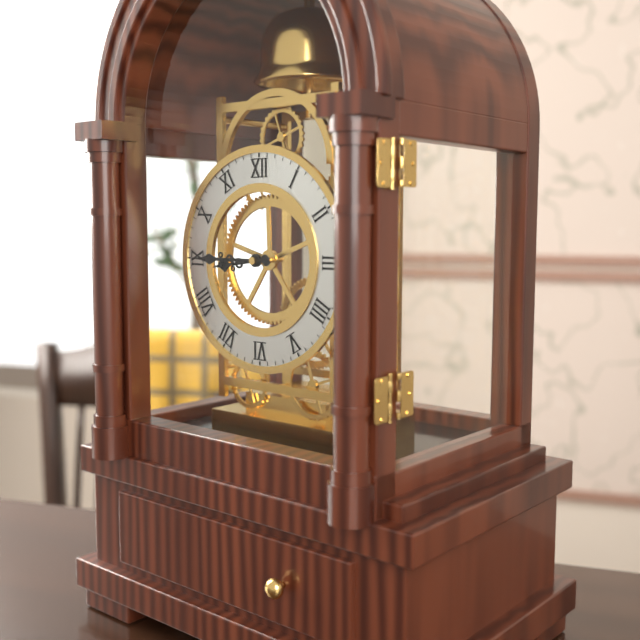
{"hour": 8, "minute": 45}
